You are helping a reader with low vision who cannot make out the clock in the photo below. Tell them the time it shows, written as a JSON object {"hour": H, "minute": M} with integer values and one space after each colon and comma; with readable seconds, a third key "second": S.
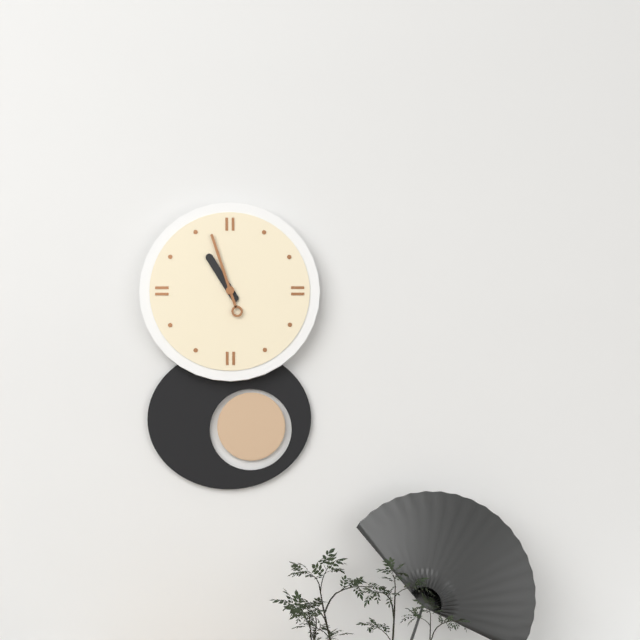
{"hour": 10, "minute": 57}
